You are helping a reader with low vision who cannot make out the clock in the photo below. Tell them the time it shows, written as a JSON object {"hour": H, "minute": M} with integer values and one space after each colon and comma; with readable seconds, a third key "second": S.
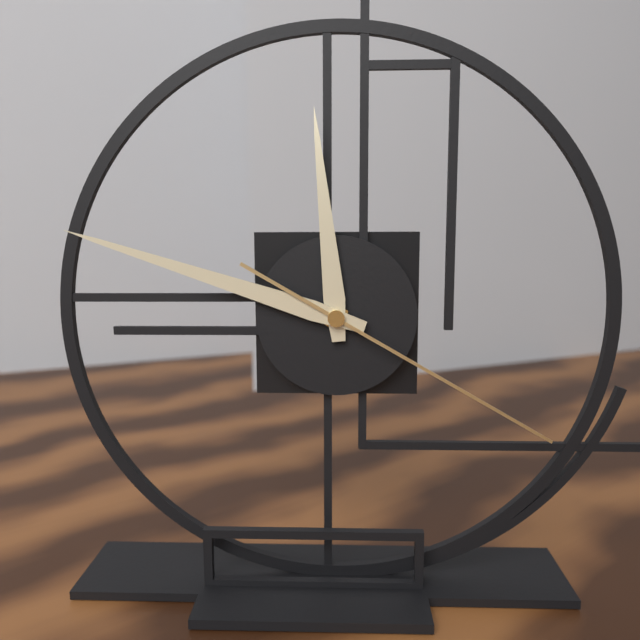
{"hour": 11, "minute": 48, "second": 20}
